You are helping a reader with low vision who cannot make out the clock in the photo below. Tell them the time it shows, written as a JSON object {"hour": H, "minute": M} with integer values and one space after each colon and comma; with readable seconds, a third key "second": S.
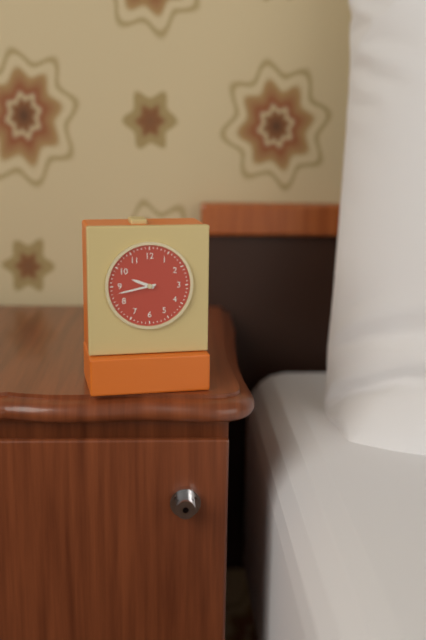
{"hour": 9, "minute": 43}
